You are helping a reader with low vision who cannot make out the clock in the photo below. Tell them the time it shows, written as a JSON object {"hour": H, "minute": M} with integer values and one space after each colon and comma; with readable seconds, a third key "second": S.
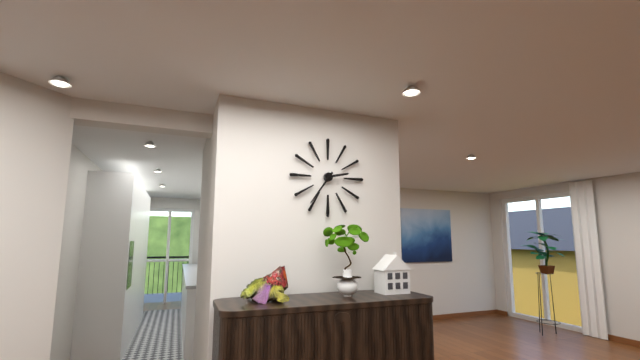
{"hour": 2, "minute": 36}
